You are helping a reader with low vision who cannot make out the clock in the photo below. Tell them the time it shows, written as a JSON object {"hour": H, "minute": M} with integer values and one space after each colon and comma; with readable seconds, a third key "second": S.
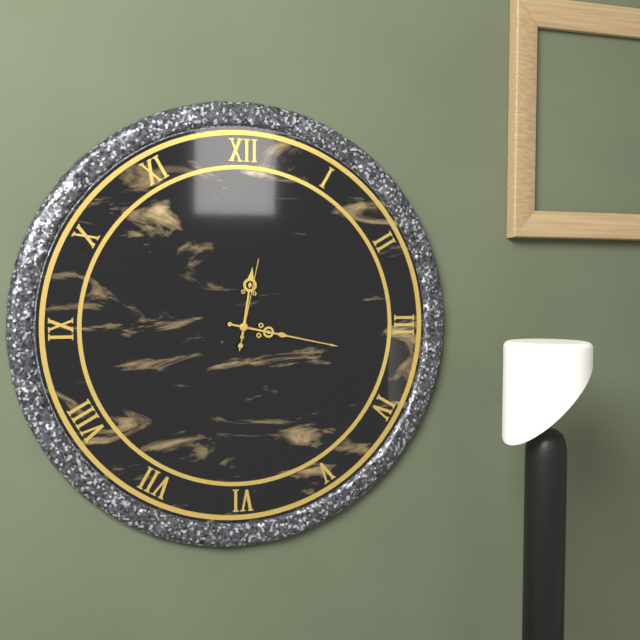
{"hour": 12, "minute": 17, "second": 2}
